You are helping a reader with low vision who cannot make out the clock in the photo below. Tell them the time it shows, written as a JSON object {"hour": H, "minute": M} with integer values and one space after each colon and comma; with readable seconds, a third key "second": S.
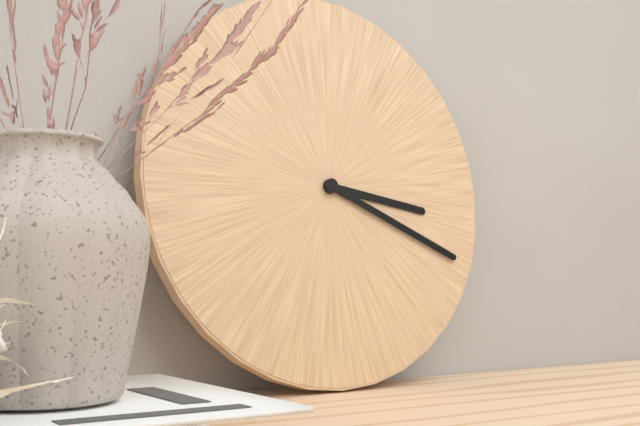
{"hour": 3, "minute": 19}
